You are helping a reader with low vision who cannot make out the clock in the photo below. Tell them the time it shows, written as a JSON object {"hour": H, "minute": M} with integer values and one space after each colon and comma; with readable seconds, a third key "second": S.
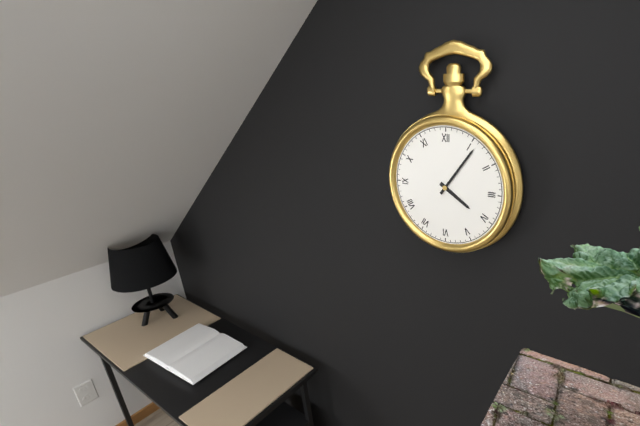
{"hour": 4, "minute": 6}
